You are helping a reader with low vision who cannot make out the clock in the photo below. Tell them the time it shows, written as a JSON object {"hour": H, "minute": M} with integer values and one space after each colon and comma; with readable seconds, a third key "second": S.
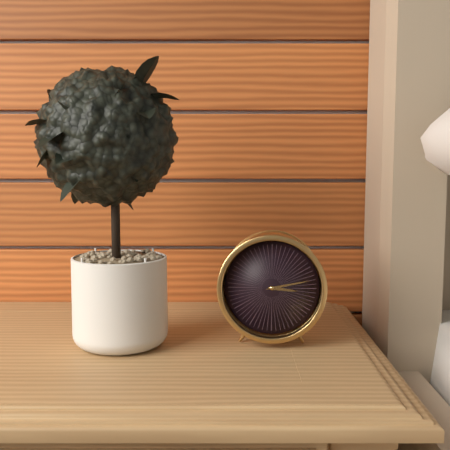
{"hour": 3, "minute": 13}
